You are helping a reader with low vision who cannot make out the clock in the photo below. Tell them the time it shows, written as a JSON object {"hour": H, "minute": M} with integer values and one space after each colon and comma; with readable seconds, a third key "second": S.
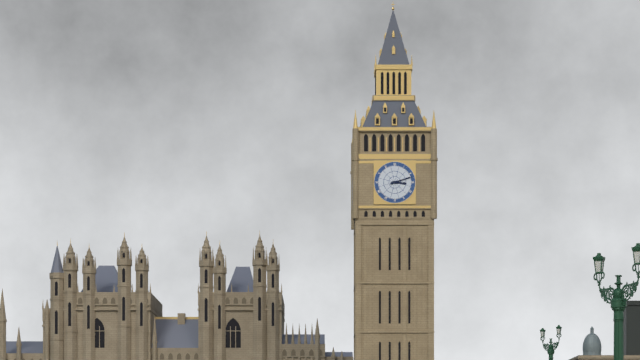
{"hour": 3, "minute": 12}
